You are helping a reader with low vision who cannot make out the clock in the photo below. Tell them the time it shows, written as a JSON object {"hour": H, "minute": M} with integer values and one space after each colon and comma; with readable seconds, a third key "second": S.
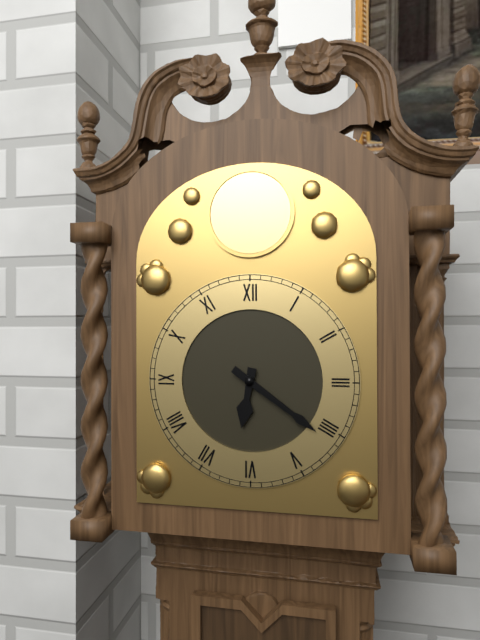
{"hour": 6, "minute": 21}
